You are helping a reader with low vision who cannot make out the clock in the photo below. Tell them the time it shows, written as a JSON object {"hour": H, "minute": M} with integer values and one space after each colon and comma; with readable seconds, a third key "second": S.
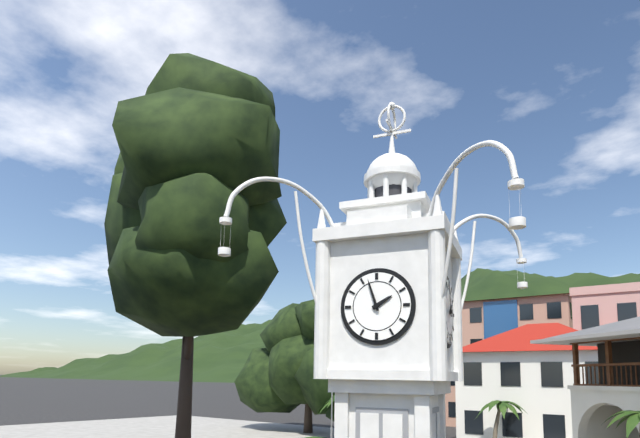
{"hour": 1, "minute": 57}
